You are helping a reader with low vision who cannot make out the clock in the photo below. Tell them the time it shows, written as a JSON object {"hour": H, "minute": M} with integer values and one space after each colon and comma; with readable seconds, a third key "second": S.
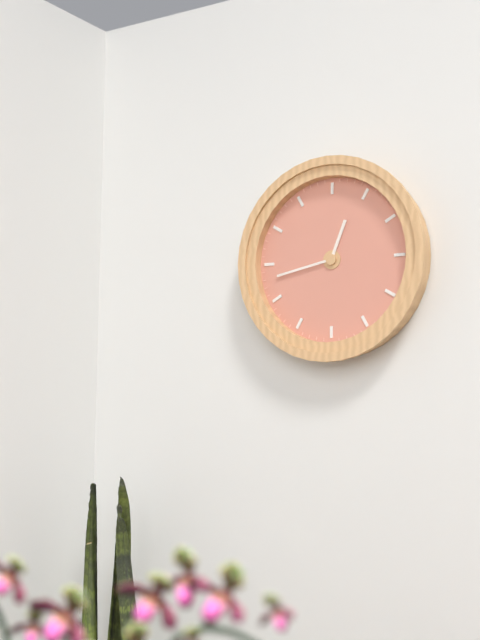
{"hour": 12, "minute": 43}
